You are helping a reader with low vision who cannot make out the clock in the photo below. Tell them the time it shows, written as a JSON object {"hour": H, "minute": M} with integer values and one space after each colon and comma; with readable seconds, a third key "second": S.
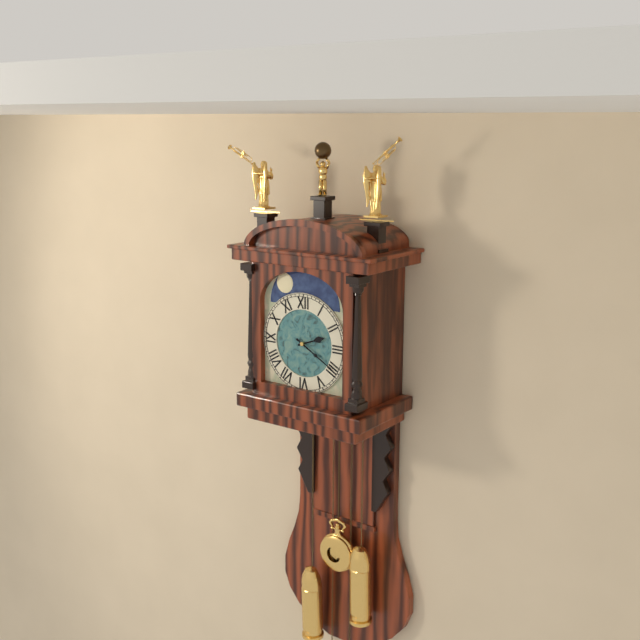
{"hour": 2, "minute": 20}
